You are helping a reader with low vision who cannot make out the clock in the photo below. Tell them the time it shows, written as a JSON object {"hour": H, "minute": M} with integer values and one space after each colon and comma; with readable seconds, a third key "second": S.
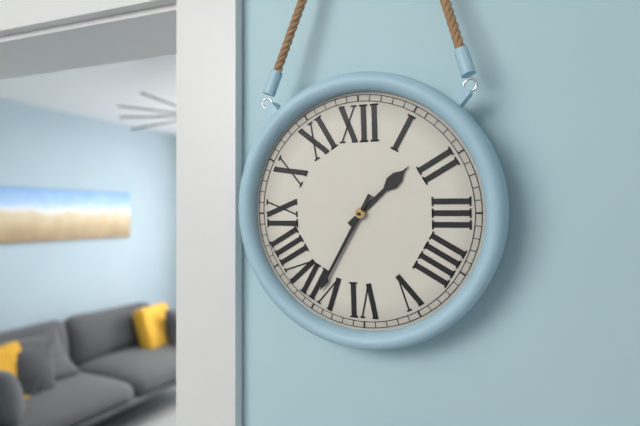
{"hour": 1, "minute": 35}
